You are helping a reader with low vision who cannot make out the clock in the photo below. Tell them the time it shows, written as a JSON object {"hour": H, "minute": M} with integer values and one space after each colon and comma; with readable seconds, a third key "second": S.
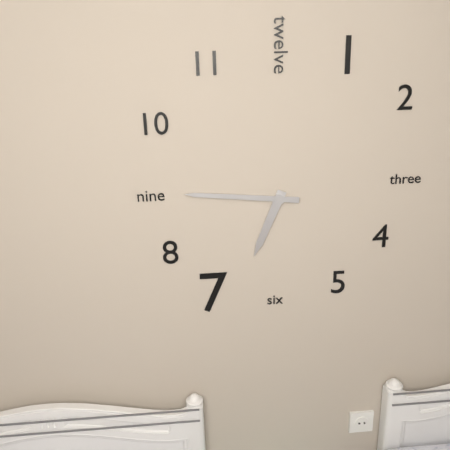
{"hour": 6, "minute": 46}
